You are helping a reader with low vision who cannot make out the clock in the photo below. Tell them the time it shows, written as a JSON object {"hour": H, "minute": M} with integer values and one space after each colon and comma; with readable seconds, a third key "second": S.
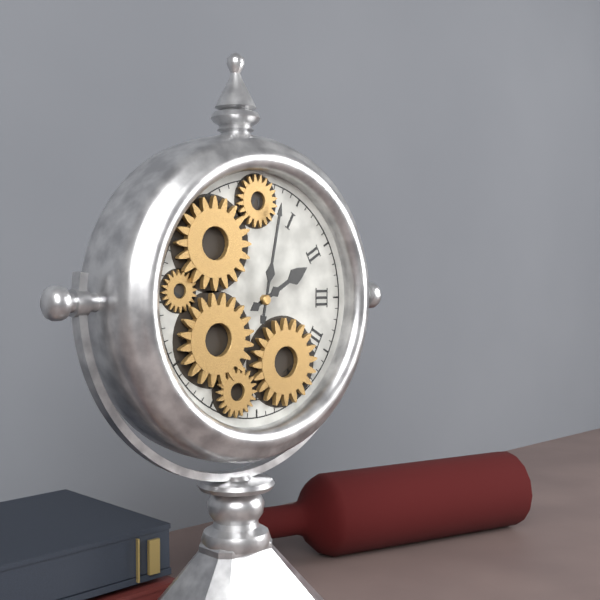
{"hour": 2, "minute": 2}
